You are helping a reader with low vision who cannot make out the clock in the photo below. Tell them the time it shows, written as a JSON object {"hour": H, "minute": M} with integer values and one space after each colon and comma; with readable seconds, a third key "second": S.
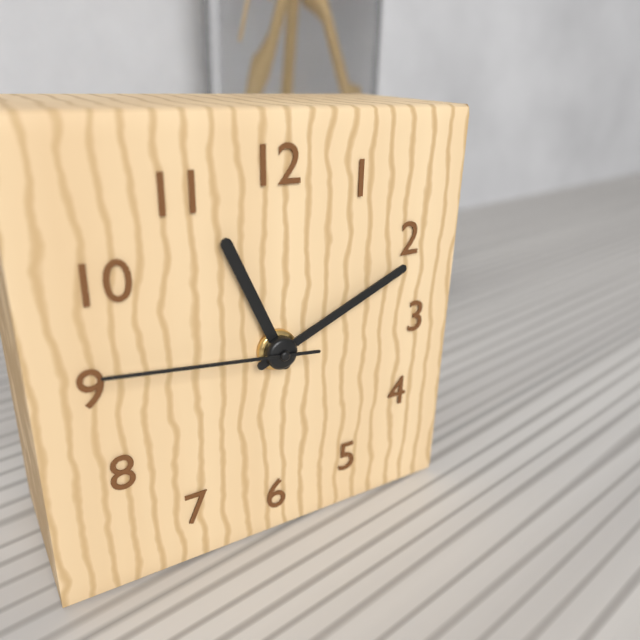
{"hour": 11, "minute": 11, "second": 46}
